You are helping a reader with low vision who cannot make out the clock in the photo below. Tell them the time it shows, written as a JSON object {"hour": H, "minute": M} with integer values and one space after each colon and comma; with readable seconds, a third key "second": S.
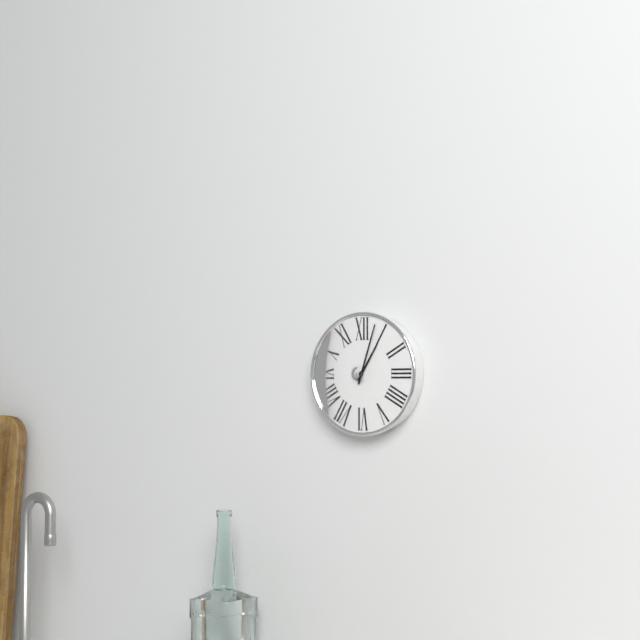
{"hour": 1, "minute": 3}
